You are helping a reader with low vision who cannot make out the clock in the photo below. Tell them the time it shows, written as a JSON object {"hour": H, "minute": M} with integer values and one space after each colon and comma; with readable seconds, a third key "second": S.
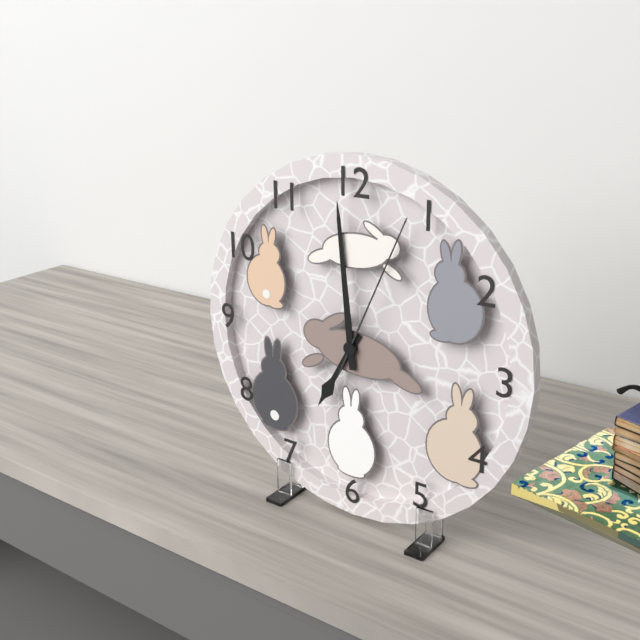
{"hour": 6, "minute": 59, "second": 4}
